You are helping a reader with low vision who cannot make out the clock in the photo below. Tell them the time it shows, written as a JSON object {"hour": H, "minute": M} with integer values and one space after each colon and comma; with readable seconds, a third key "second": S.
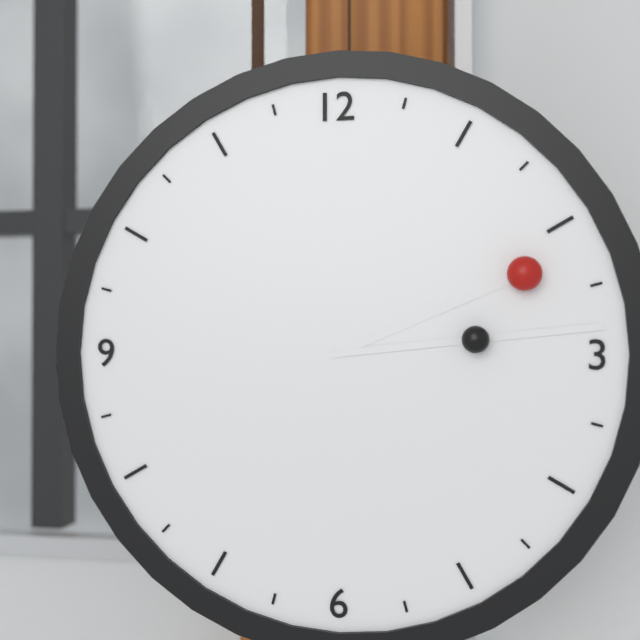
{"hour": 2, "minute": 14}
